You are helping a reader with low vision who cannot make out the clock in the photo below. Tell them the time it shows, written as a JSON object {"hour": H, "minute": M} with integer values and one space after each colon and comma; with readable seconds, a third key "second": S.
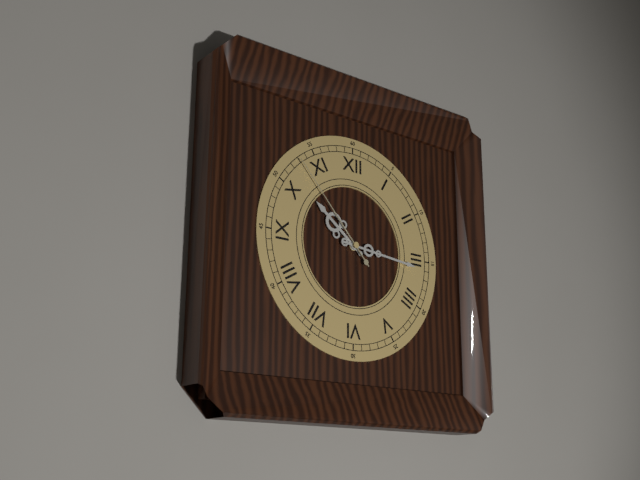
{"hour": 10, "minute": 16, "second": 53}
